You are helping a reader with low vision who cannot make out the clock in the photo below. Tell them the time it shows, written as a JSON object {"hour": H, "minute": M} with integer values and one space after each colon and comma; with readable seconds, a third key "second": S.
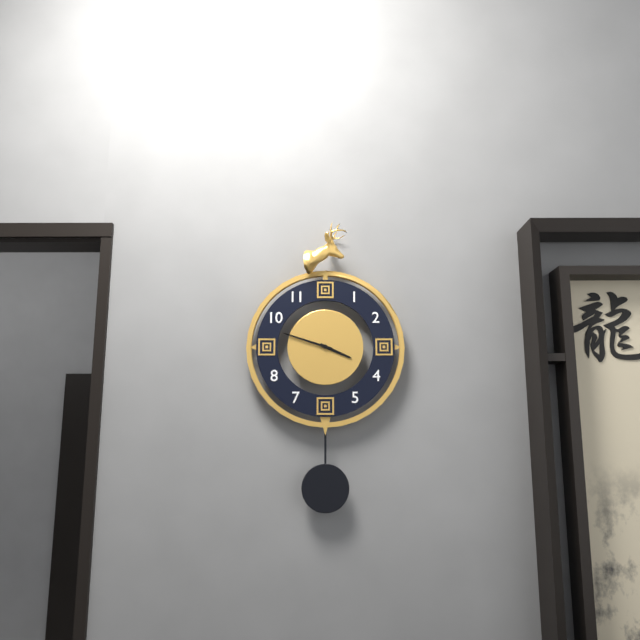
{"hour": 3, "minute": 48}
